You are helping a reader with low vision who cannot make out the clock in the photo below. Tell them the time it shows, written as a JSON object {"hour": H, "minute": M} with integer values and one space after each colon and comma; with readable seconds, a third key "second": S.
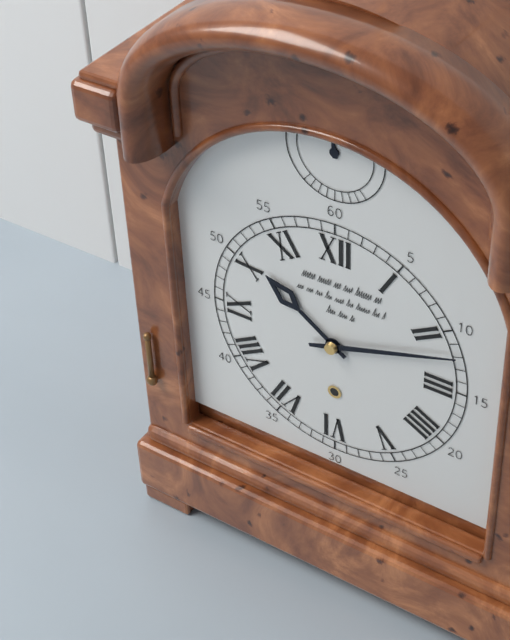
{"hour": 10, "minute": 12}
